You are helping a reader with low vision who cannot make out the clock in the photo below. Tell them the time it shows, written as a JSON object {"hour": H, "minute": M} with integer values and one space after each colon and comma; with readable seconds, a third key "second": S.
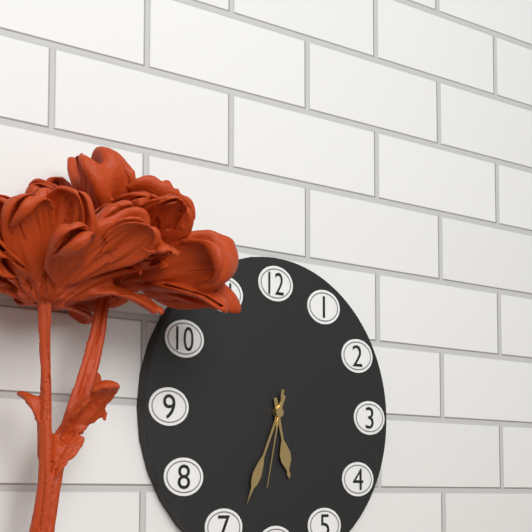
{"hour": 5, "minute": 34, "second": 32}
